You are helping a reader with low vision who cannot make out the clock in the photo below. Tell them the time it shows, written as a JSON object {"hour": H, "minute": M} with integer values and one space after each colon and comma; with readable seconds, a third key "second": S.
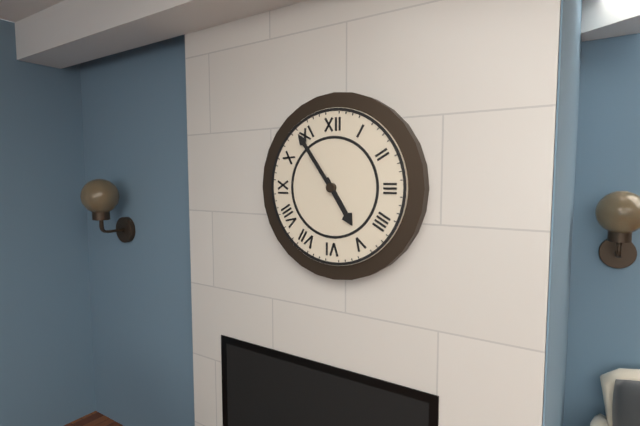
{"hour": 4, "minute": 54}
